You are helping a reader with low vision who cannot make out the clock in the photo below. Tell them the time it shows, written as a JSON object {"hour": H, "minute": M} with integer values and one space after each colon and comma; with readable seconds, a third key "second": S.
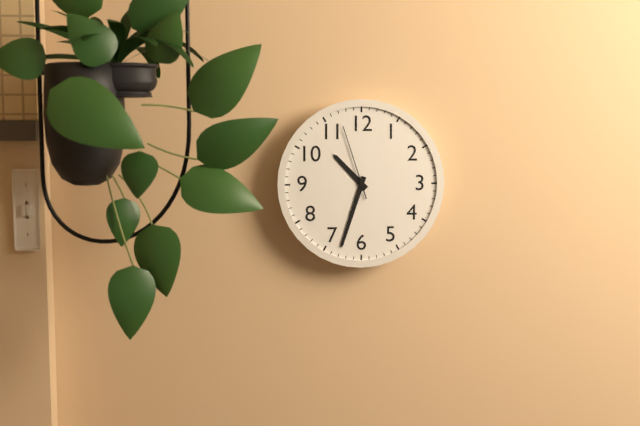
{"hour": 10, "minute": 33, "second": 57}
